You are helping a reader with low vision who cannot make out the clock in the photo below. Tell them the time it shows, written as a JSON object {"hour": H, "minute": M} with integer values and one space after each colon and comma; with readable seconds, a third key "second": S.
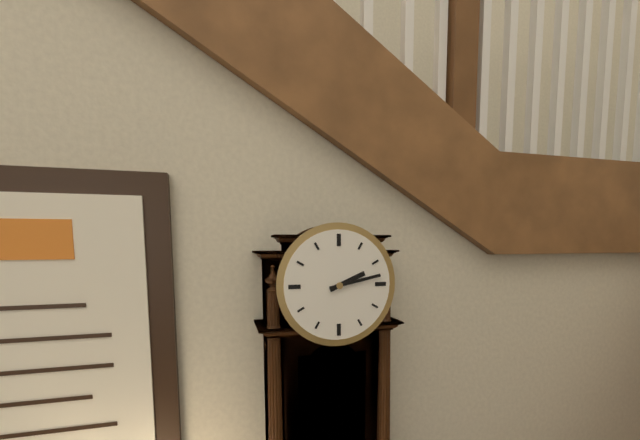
{"hour": 2, "minute": 13}
